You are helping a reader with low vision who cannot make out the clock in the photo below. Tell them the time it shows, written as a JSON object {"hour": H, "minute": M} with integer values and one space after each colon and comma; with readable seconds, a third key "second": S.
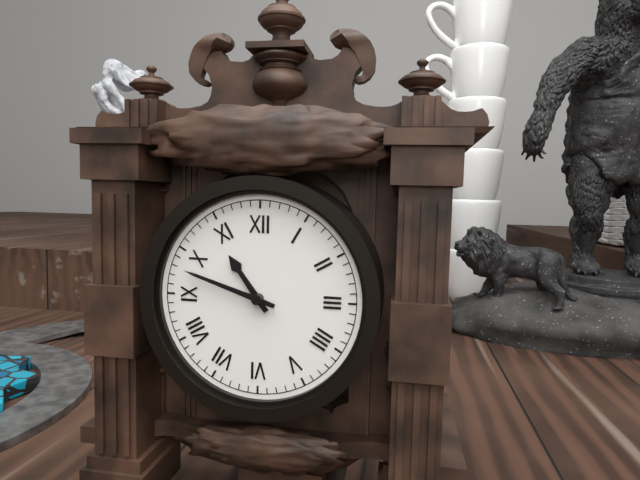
{"hour": 10, "minute": 48}
